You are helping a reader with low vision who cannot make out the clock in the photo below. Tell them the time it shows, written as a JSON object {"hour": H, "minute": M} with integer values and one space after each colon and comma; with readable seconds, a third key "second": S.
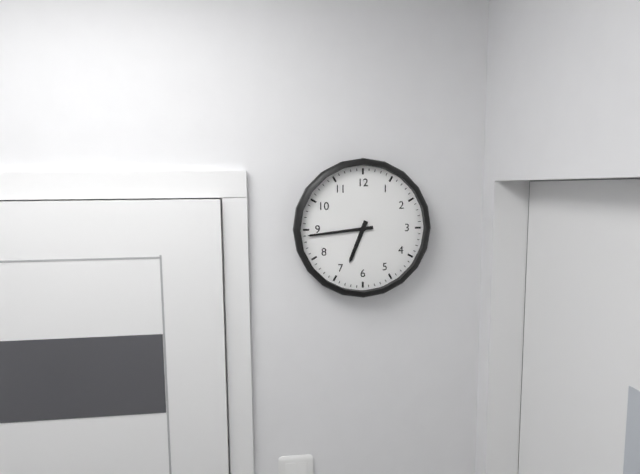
{"hour": 6, "minute": 44}
